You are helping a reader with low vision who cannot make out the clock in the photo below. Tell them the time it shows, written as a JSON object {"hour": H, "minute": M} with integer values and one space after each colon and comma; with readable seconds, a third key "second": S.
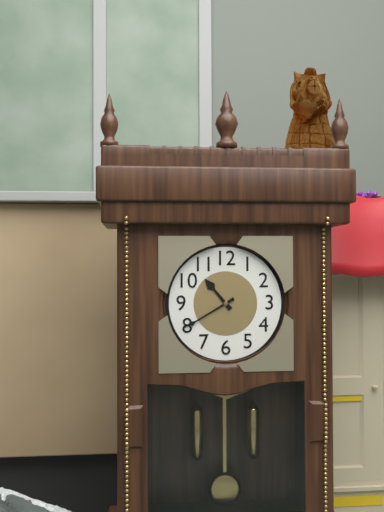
{"hour": 10, "minute": 40}
